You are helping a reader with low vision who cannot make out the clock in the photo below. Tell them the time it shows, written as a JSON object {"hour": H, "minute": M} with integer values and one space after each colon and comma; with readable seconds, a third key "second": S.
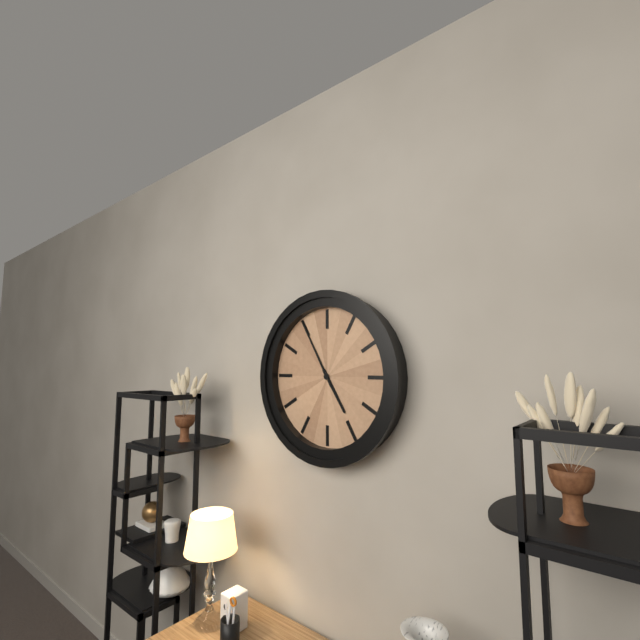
{"hour": 4, "minute": 55}
